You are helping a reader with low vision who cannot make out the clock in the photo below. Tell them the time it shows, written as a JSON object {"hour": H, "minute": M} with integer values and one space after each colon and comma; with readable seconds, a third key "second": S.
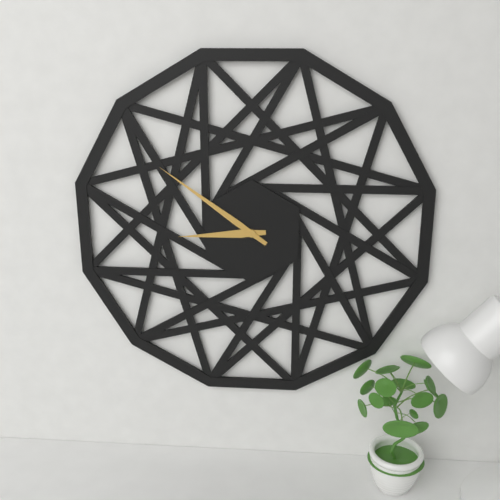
{"hour": 8, "minute": 51}
